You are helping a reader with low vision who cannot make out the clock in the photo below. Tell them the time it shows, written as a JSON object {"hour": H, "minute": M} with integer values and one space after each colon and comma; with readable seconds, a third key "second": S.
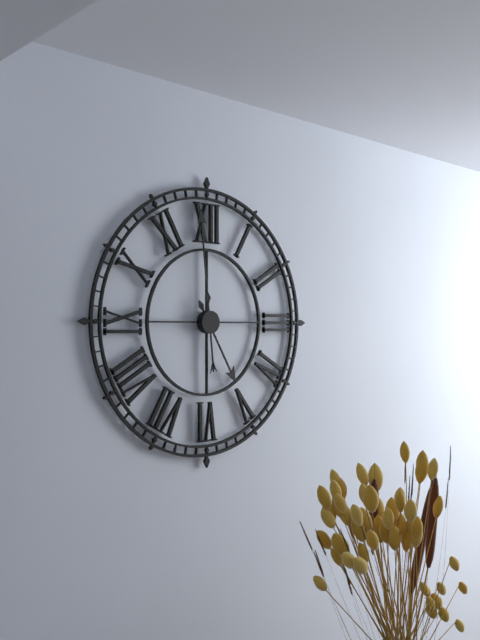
{"hour": 4, "minute": 59}
